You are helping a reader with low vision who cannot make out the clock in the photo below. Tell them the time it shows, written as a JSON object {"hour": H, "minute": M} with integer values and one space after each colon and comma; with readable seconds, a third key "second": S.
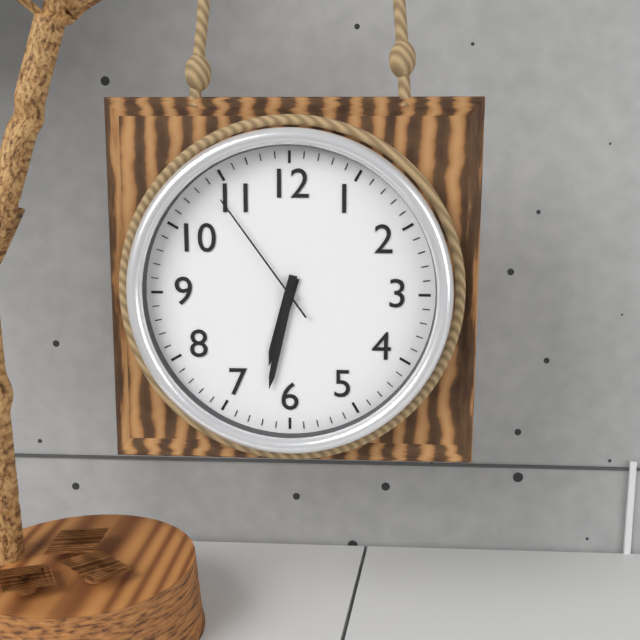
{"hour": 6, "minute": 32, "second": 54}
